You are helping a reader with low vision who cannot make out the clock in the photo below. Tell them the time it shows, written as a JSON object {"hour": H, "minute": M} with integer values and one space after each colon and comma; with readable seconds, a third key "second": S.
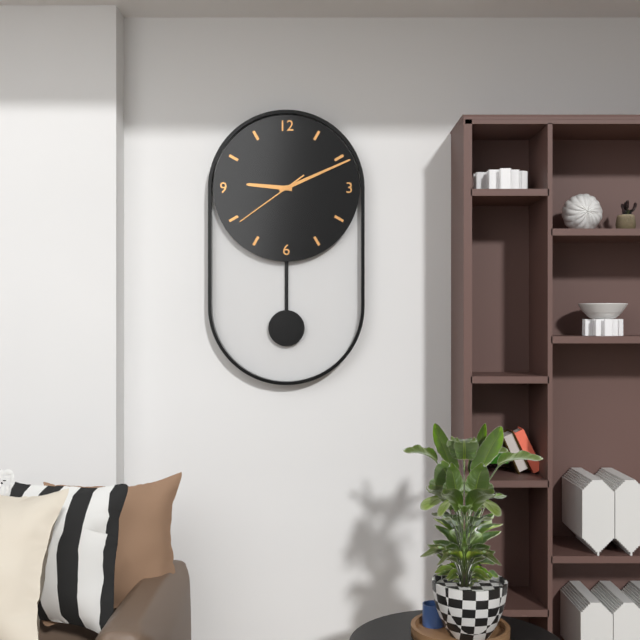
{"hour": 9, "minute": 11, "second": 39}
